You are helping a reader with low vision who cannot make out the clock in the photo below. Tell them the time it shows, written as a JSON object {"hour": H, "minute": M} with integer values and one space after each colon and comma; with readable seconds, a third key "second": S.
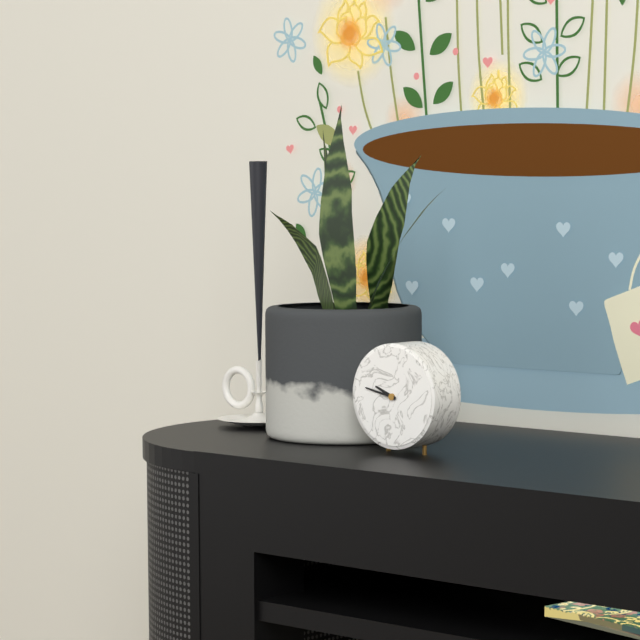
{"hour": 9, "minute": 47}
